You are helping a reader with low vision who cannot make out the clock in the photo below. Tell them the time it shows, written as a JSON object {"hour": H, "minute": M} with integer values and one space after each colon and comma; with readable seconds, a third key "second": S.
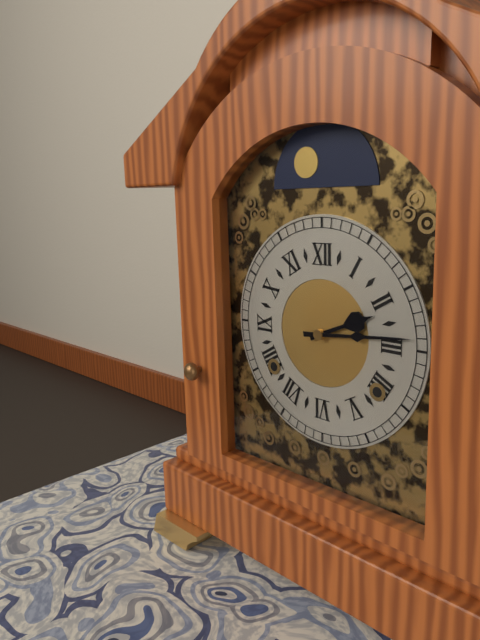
{"hour": 2, "minute": 14}
